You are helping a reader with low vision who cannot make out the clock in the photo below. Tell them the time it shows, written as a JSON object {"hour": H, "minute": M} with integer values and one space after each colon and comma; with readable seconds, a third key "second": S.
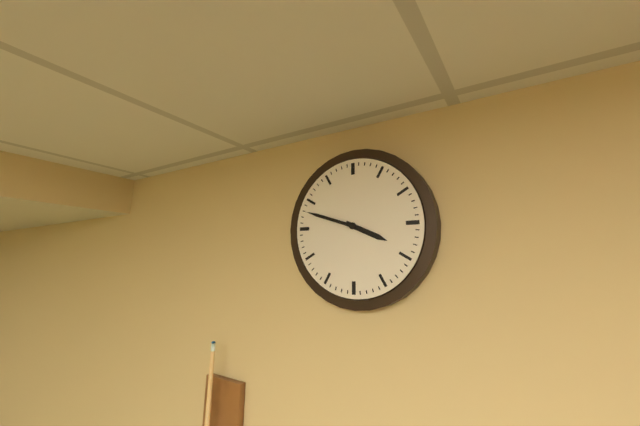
{"hour": 3, "minute": 48}
